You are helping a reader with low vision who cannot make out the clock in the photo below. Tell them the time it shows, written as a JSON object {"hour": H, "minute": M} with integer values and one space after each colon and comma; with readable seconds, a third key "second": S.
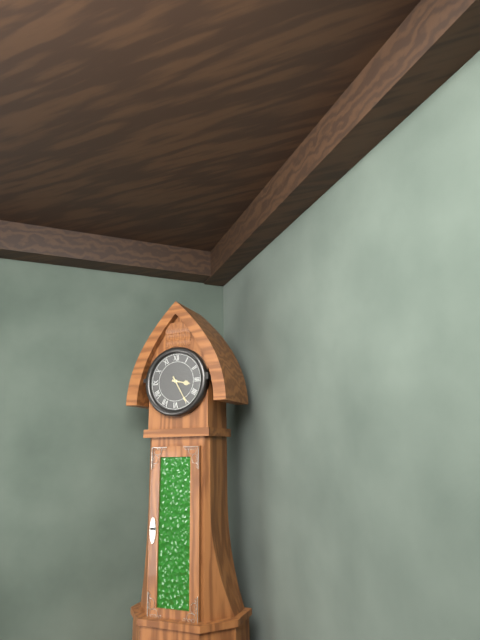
{"hour": 3, "minute": 25}
